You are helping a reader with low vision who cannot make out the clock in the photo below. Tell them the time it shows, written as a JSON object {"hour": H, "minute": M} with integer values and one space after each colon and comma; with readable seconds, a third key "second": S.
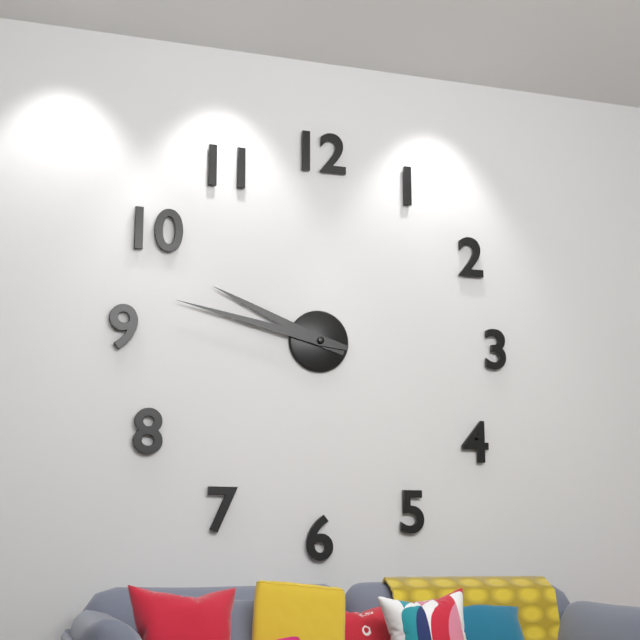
{"hour": 9, "minute": 47}
